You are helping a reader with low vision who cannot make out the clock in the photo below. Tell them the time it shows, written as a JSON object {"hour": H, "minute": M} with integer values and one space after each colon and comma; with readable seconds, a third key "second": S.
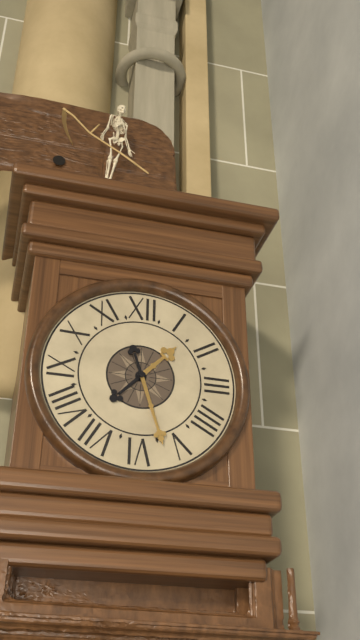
{"hour": 1, "minute": 27}
